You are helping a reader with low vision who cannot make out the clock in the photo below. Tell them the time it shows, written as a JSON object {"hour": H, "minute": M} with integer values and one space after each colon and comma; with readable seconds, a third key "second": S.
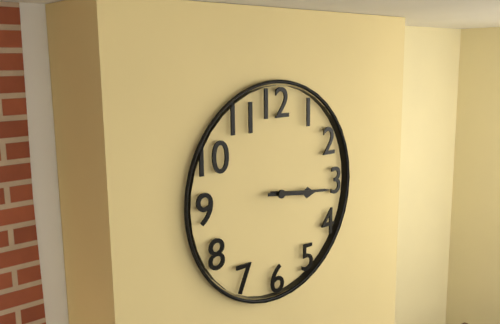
{"hour": 3, "minute": 16}
